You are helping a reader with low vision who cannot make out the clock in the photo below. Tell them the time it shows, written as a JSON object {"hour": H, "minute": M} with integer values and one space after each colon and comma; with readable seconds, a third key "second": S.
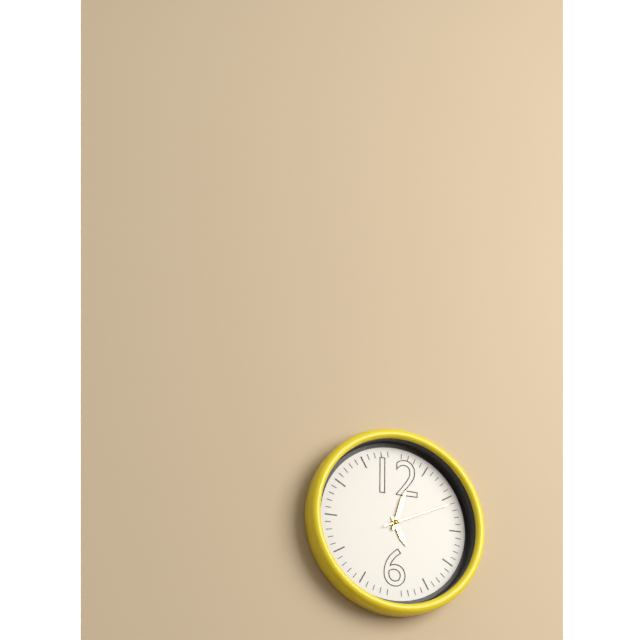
{"hour": 5, "minute": 3, "second": 11}
